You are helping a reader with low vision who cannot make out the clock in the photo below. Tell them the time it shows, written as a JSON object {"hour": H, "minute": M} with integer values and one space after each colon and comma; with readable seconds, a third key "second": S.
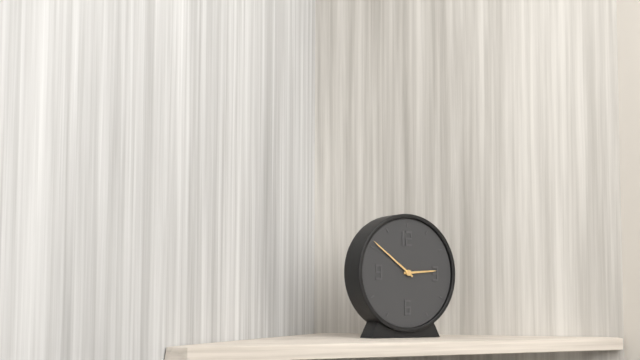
{"hour": 2, "minute": 51}
